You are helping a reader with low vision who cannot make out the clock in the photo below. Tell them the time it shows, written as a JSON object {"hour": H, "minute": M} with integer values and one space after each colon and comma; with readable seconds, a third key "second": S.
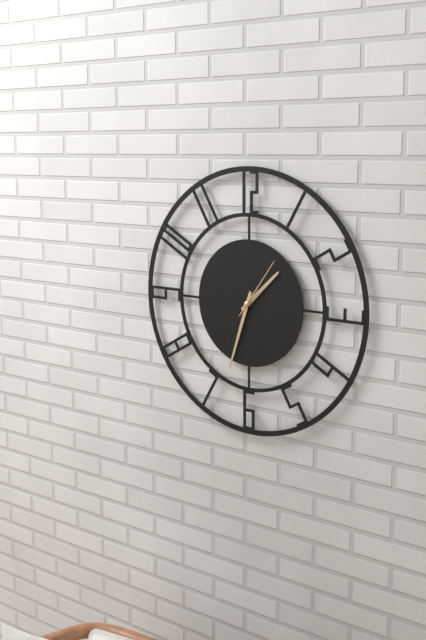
{"hour": 1, "minute": 33, "second": 6}
